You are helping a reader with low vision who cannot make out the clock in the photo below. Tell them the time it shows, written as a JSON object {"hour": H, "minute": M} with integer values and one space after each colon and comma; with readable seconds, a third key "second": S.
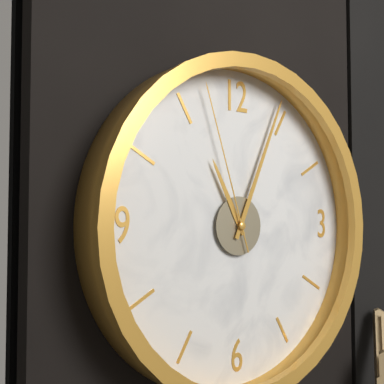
{"hour": 11, "minute": 4, "second": 57}
